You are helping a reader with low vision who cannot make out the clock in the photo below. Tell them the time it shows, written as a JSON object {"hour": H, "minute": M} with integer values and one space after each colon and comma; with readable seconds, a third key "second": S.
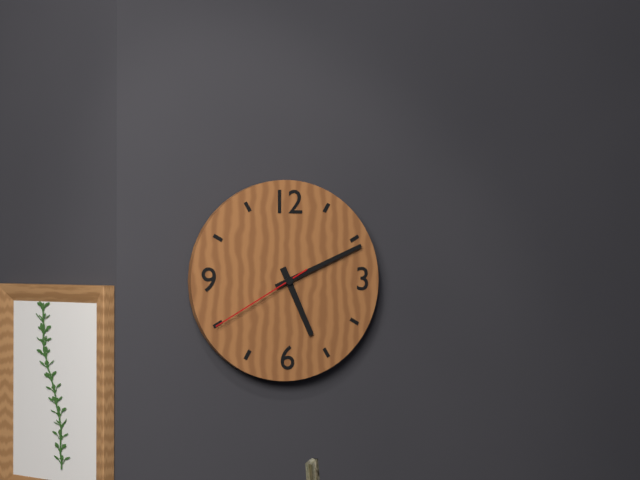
{"hour": 5, "minute": 11, "second": 40}
